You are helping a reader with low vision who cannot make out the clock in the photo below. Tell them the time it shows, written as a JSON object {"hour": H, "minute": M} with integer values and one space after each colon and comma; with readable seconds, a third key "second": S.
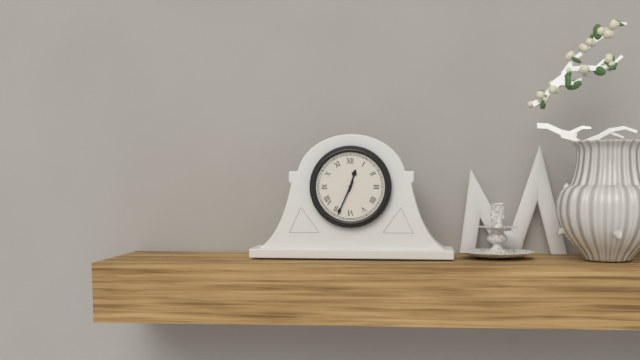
{"hour": 12, "minute": 34}
